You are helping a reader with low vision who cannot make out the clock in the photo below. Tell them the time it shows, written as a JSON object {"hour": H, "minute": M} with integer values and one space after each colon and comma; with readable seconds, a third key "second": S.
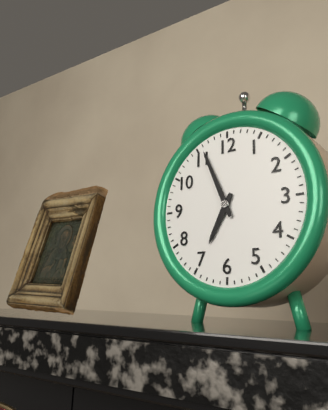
{"hour": 6, "minute": 56}
